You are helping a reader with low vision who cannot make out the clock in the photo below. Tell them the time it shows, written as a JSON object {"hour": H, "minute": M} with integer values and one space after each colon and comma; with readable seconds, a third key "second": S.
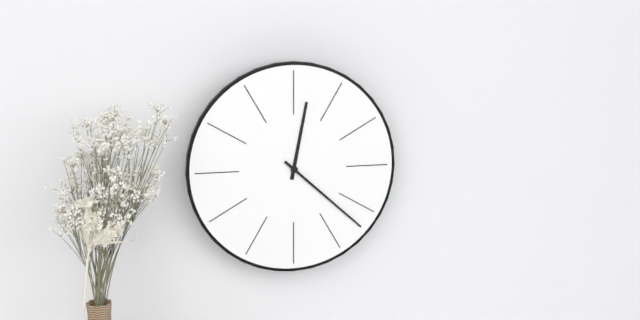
{"hour": 12, "minute": 22}
